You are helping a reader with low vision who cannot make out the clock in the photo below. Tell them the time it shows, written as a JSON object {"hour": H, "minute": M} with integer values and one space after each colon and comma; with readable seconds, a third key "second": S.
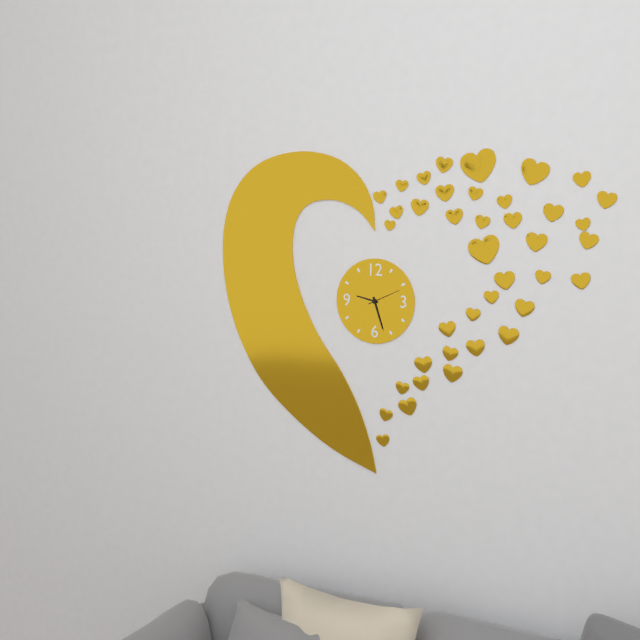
{"hour": 9, "minute": 27}
